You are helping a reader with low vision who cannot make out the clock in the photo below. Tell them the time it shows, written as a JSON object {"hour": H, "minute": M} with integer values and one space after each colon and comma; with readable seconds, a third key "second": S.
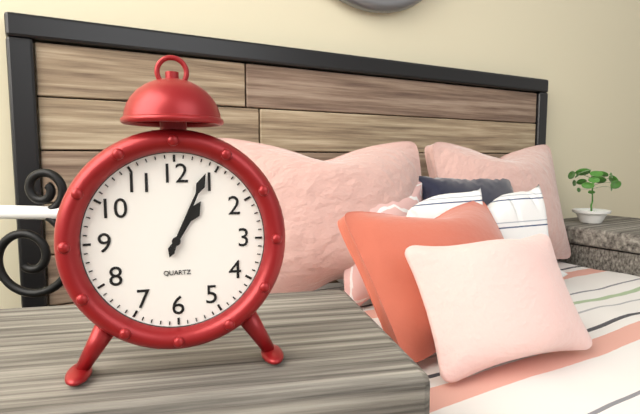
{"hour": 1, "minute": 4}
